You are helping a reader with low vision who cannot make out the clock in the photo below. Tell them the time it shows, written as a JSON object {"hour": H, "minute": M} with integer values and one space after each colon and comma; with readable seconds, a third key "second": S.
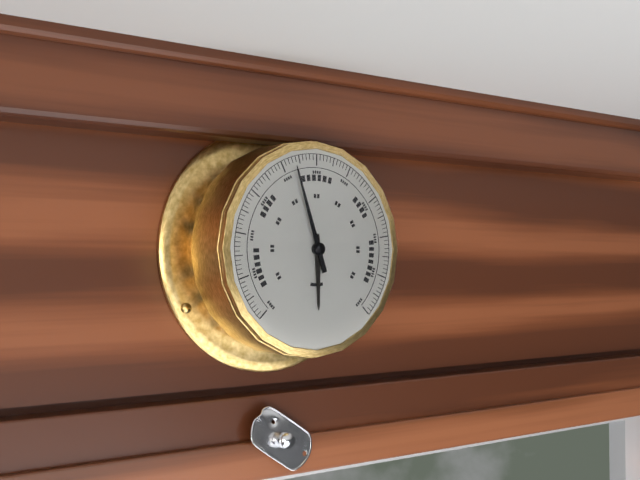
{"hour": 5, "minute": 57}
